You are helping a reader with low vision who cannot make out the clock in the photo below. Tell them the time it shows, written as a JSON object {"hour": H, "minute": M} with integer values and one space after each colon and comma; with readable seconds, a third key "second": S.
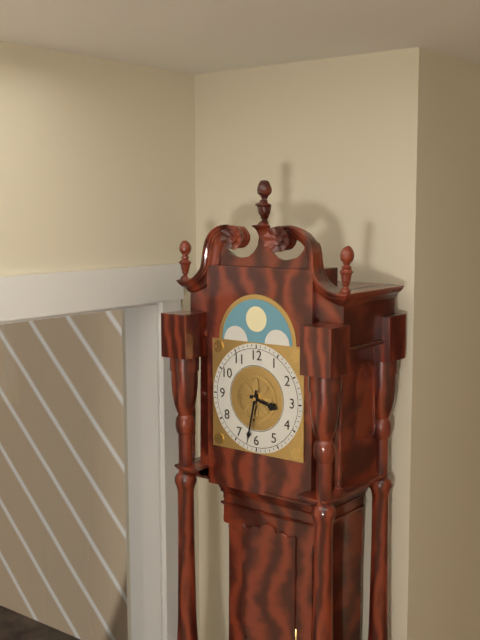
{"hour": 3, "minute": 32}
